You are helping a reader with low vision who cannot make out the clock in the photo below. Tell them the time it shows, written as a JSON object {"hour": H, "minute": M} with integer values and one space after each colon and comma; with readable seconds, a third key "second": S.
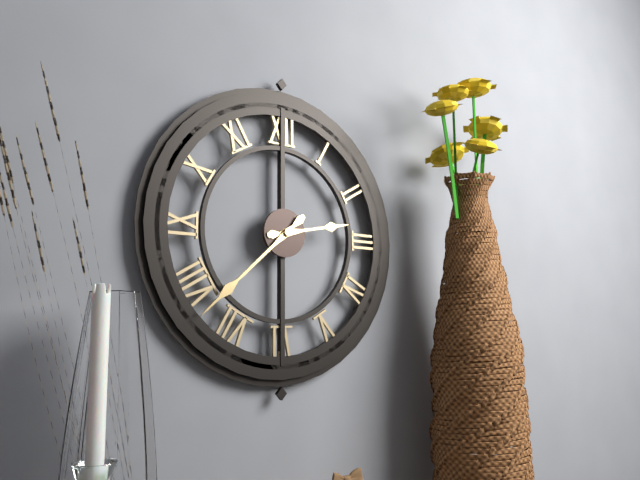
{"hour": 2, "minute": 38}
